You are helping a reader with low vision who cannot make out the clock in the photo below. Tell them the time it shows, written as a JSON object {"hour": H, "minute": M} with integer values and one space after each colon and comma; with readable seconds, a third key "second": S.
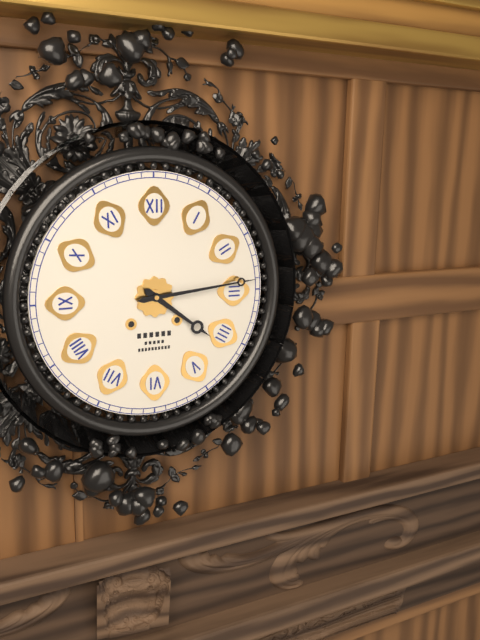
{"hour": 4, "minute": 14}
